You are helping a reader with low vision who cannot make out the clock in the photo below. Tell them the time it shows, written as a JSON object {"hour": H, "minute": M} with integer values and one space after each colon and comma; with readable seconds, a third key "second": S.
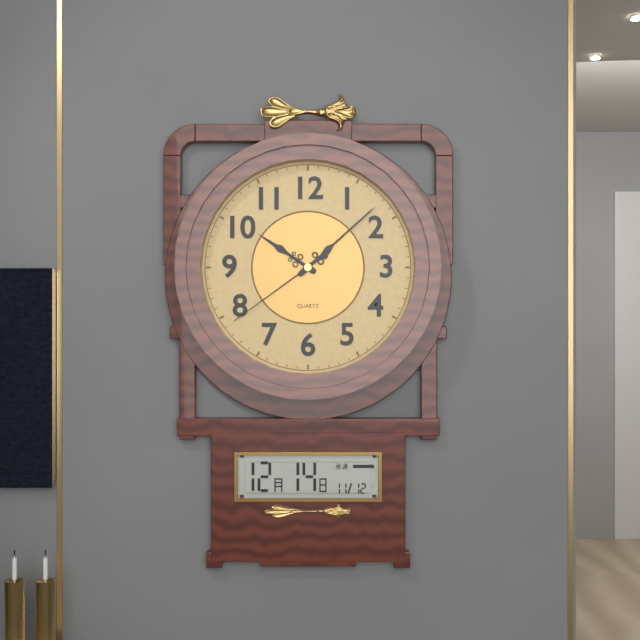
{"hour": 10, "minute": 8, "second": 39}
